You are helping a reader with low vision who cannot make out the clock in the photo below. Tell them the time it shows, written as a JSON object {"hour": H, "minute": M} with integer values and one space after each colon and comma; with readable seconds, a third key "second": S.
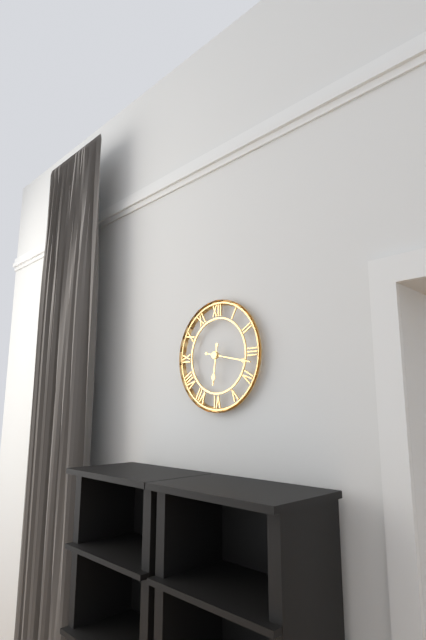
{"hour": 6, "minute": 17}
